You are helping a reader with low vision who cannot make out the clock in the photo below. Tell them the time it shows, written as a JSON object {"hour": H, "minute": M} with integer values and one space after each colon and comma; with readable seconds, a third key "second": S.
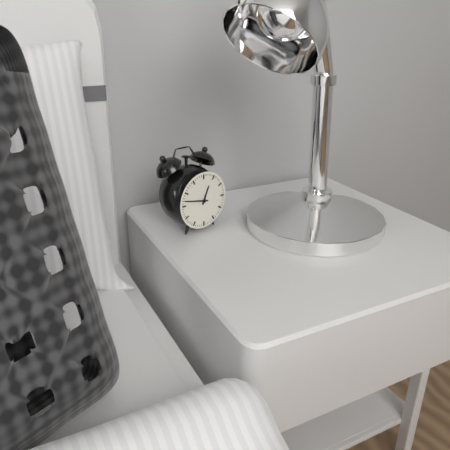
{"hour": 12, "minute": 47}
